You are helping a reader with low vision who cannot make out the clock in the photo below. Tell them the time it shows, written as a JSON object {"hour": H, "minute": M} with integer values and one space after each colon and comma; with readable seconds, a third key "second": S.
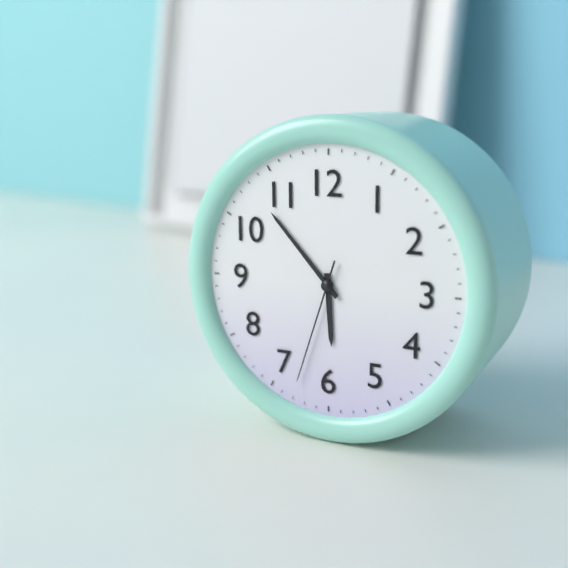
{"hour": 5, "minute": 53, "second": 33}
